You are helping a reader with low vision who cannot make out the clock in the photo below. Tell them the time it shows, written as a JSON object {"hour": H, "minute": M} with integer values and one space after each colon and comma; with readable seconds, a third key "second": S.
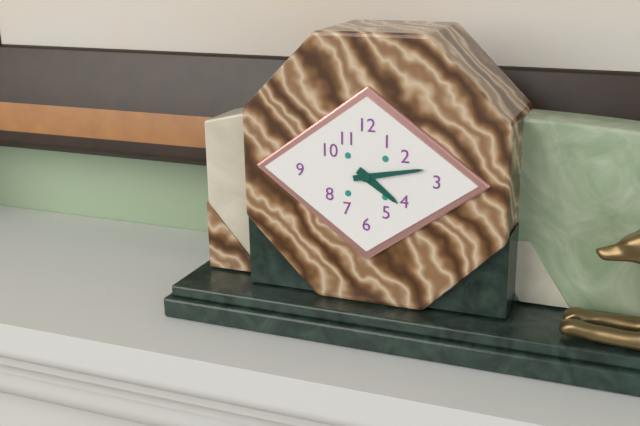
{"hour": 4, "minute": 13}
